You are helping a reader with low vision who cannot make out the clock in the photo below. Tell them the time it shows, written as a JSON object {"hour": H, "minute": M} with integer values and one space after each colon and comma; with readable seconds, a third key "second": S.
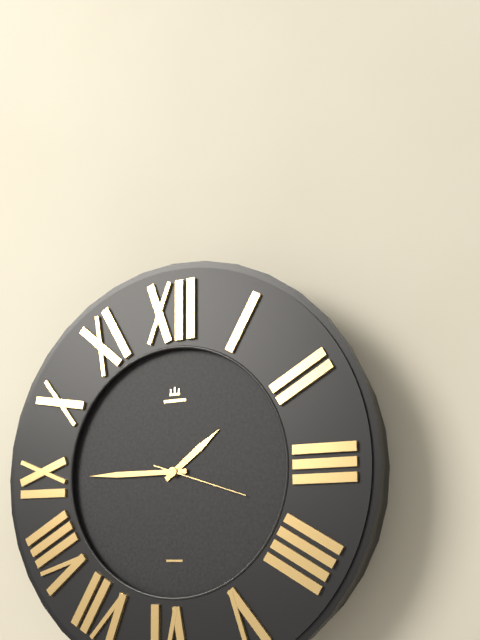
{"hour": 1, "minute": 45, "second": 18}
